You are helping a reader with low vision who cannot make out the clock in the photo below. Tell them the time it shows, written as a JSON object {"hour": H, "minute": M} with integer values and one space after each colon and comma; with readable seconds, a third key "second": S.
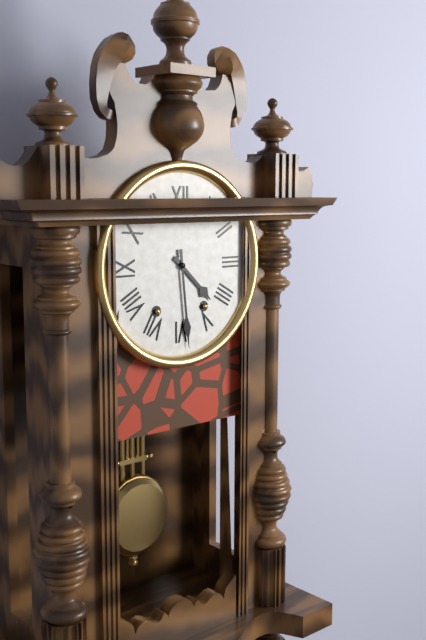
{"hour": 4, "minute": 29}
